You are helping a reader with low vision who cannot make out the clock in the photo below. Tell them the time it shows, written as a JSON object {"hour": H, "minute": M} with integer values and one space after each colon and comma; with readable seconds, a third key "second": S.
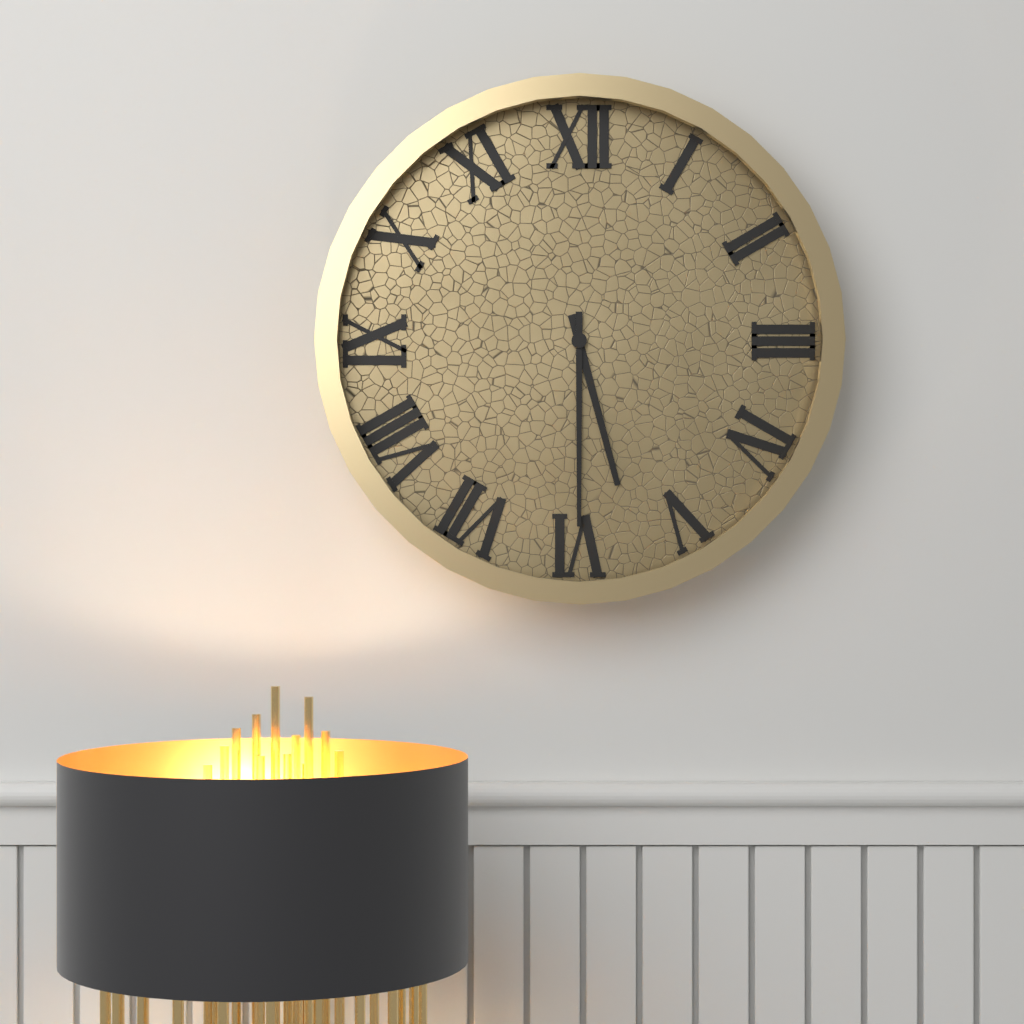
{"hour": 5, "minute": 30}
